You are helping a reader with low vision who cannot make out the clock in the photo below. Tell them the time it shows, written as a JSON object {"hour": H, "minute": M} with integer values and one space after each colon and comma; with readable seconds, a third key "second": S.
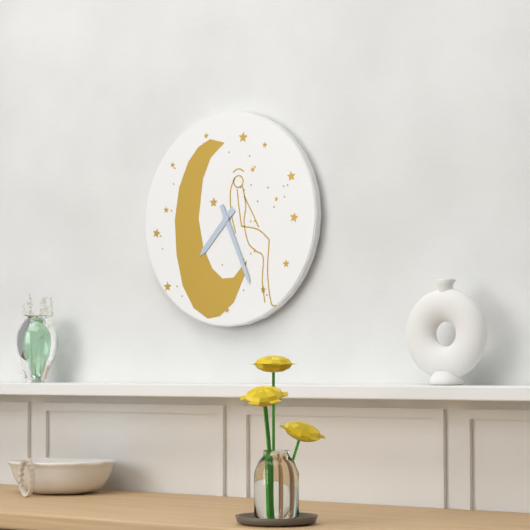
{"hour": 7, "minute": 26}
